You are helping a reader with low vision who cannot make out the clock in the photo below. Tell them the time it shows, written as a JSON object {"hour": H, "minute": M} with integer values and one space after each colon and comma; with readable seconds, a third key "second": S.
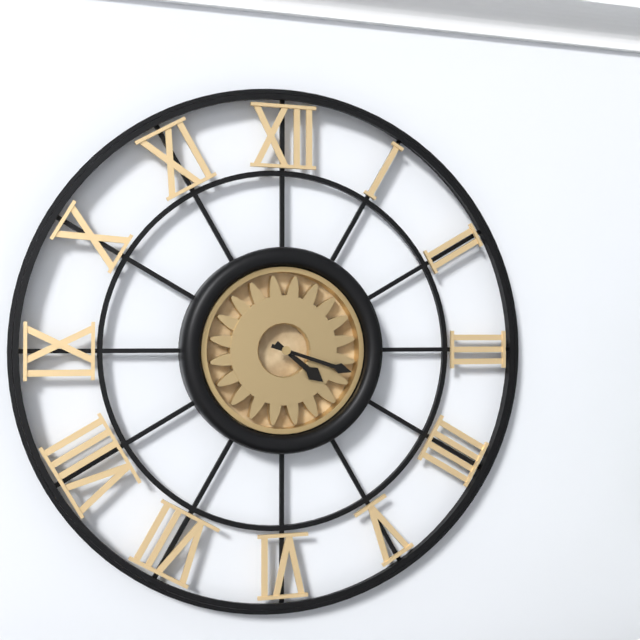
{"hour": 4, "minute": 18}
